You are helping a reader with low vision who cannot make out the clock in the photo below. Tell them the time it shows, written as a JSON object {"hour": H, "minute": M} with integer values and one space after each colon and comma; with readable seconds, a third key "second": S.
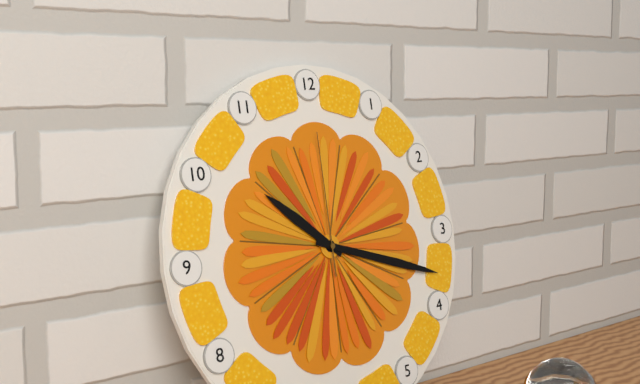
{"hour": 10, "minute": 18, "second": 0}
